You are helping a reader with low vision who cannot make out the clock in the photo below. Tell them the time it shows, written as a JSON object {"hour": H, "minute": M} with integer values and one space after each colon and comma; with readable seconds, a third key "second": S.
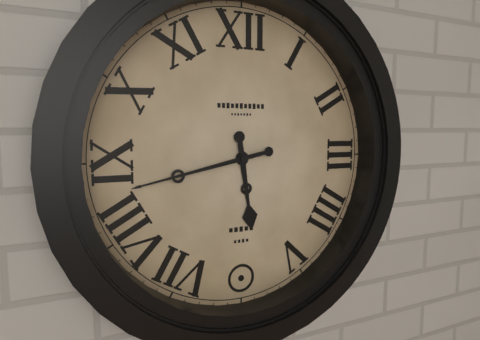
{"hour": 5, "minute": 43}
